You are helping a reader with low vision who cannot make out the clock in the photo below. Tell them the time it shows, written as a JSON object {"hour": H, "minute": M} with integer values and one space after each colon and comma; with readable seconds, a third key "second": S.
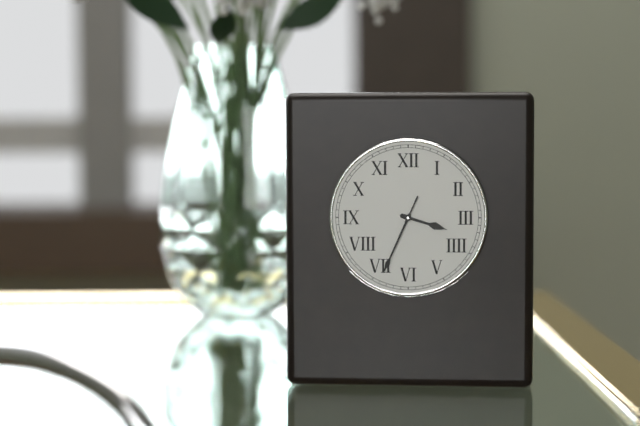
{"hour": 3, "minute": 34}
